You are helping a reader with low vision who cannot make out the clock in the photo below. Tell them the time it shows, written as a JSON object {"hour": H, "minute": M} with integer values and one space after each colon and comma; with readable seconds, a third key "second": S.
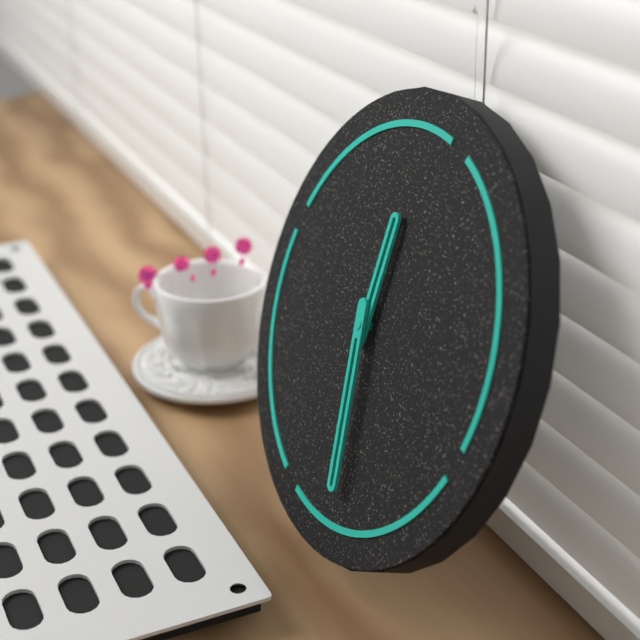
{"hour": 11, "minute": 25}
